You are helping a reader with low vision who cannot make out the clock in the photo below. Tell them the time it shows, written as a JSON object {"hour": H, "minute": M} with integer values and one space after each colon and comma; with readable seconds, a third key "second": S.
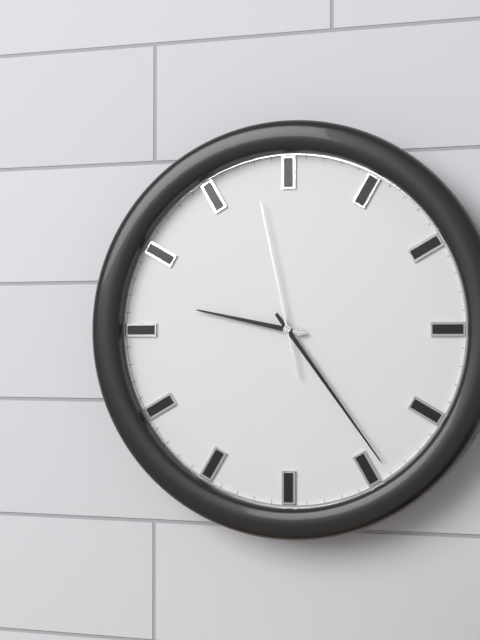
{"hour": 9, "minute": 24, "second": 58}
